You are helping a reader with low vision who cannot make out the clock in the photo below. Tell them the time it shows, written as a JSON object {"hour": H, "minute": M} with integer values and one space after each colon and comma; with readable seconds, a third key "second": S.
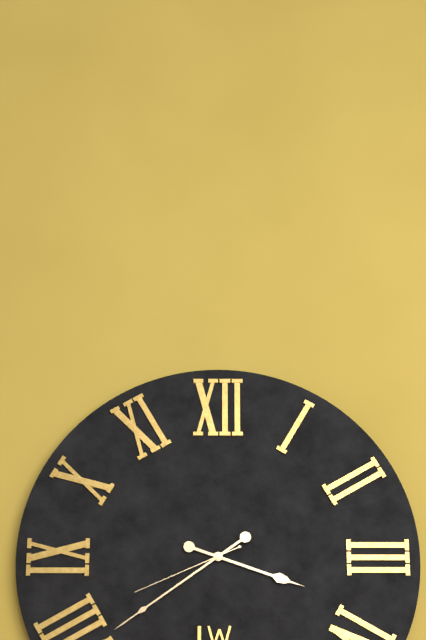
{"hour": 3, "minute": 39, "second": 41}
